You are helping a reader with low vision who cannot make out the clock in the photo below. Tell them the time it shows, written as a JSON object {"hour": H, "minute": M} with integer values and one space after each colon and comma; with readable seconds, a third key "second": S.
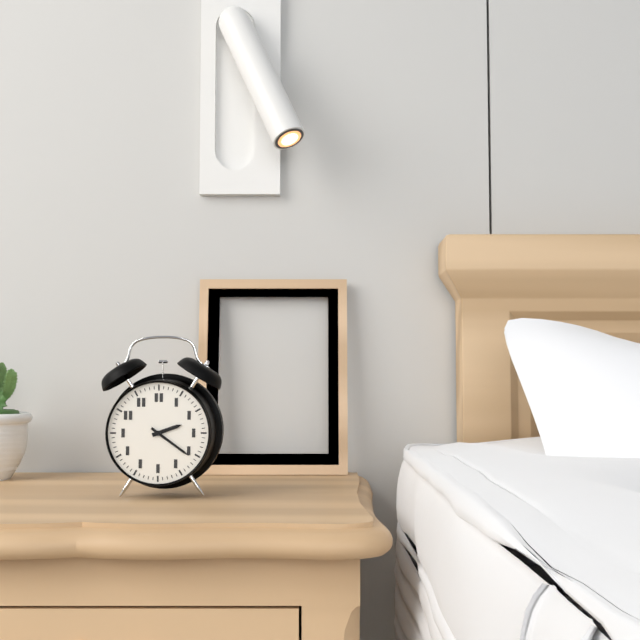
{"hour": 2, "minute": 21}
